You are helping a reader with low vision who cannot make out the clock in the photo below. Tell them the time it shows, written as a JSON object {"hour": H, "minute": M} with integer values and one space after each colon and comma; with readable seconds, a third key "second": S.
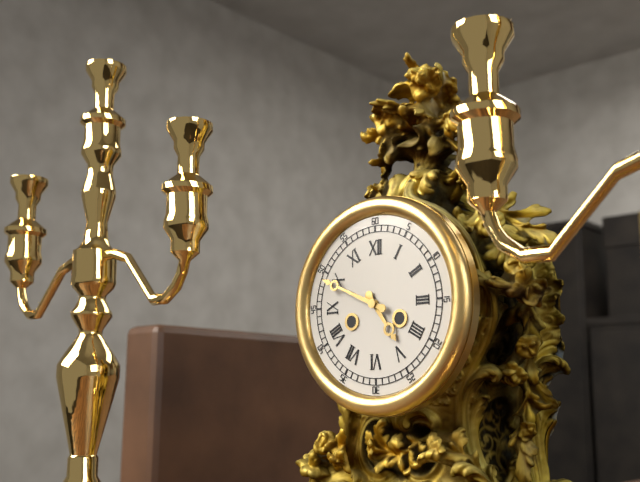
{"hour": 4, "minute": 49}
